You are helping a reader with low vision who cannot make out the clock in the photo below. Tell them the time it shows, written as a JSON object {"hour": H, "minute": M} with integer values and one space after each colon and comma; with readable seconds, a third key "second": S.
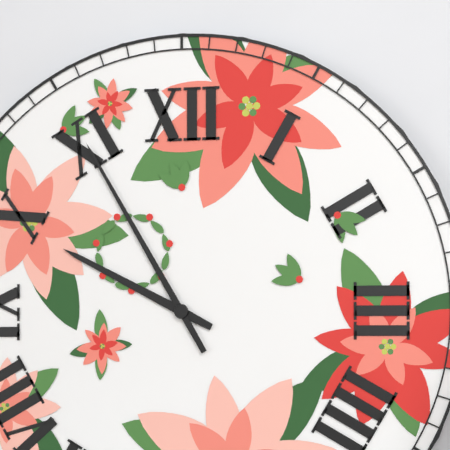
{"hour": 9, "minute": 55}
